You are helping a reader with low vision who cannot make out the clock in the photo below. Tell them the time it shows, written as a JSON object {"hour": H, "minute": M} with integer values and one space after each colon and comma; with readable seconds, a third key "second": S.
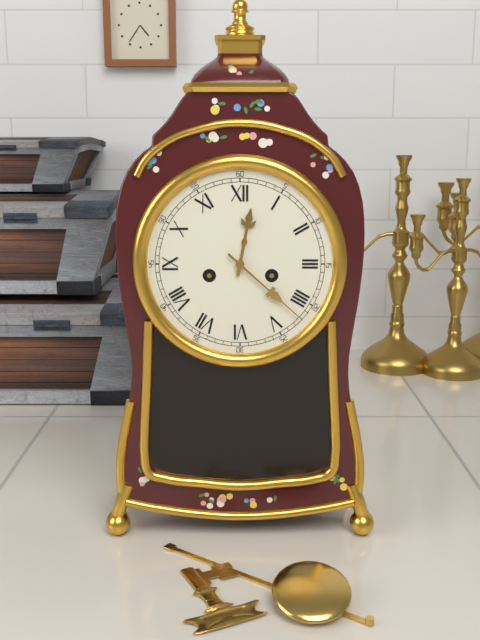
{"hour": 12, "minute": 22}
